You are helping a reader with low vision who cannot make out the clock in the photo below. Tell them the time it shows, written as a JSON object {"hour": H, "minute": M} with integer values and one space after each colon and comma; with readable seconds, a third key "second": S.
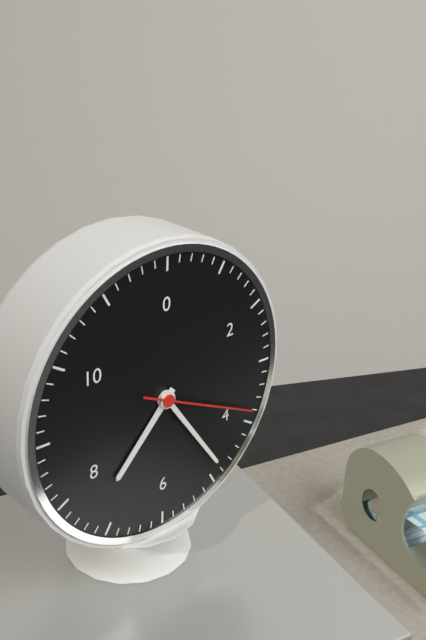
{"hour": 7, "minute": 24, "second": 19}
